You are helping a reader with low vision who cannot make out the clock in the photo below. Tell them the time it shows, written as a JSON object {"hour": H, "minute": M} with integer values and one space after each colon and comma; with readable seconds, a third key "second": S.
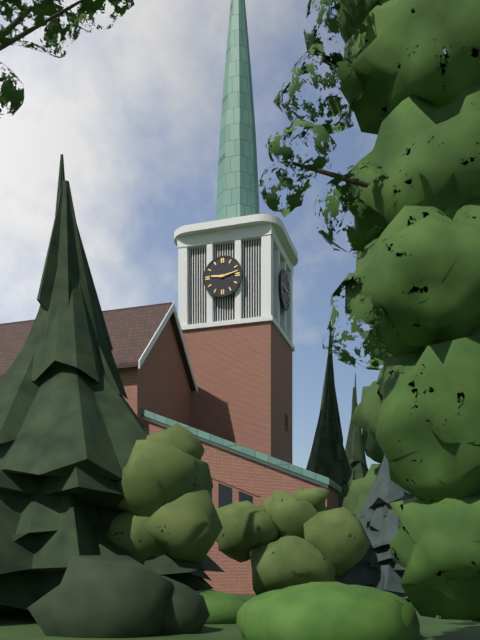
{"hour": 9, "minute": 13}
